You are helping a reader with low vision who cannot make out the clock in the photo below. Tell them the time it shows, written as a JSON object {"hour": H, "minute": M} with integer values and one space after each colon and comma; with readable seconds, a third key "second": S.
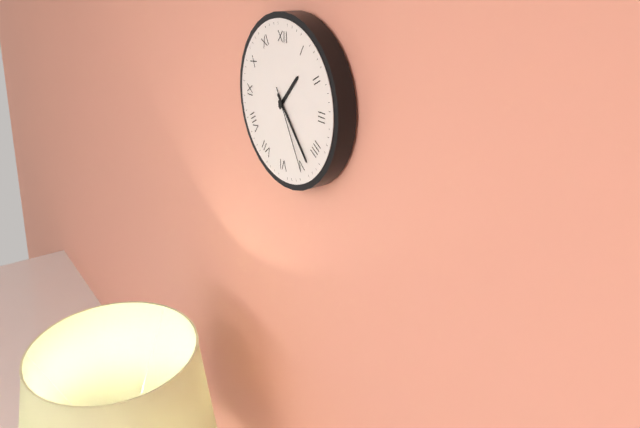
{"hour": 1, "minute": 23, "second": 25}
